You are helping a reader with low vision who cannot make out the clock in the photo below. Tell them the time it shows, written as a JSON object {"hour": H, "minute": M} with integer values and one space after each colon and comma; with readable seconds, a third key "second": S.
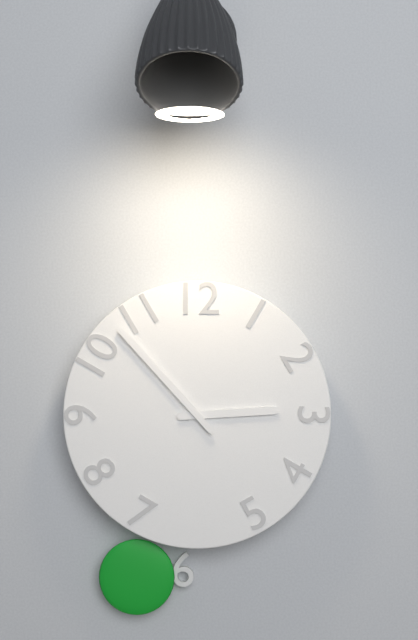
{"hour": 2, "minute": 53}
